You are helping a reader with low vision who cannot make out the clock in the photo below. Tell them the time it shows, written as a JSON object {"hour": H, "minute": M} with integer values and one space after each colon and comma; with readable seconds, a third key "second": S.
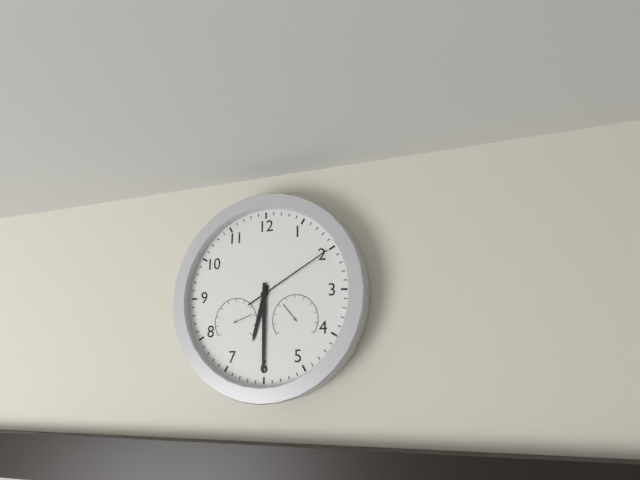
{"hour": 6, "minute": 30, "second": 10}
